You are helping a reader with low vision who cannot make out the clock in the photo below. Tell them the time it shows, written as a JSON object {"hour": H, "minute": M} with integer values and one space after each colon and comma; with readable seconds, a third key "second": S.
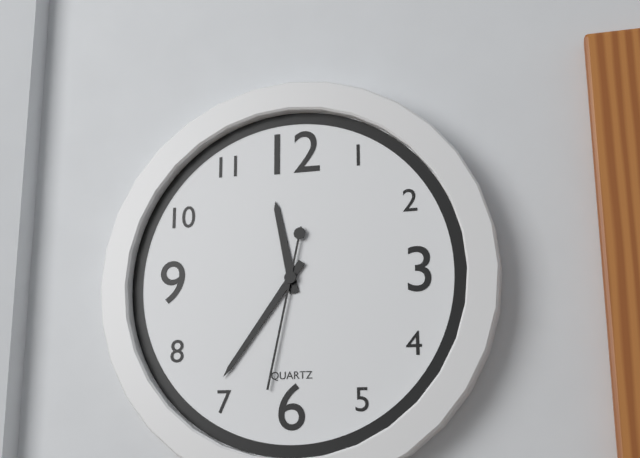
{"hour": 11, "minute": 36, "second": 32}
